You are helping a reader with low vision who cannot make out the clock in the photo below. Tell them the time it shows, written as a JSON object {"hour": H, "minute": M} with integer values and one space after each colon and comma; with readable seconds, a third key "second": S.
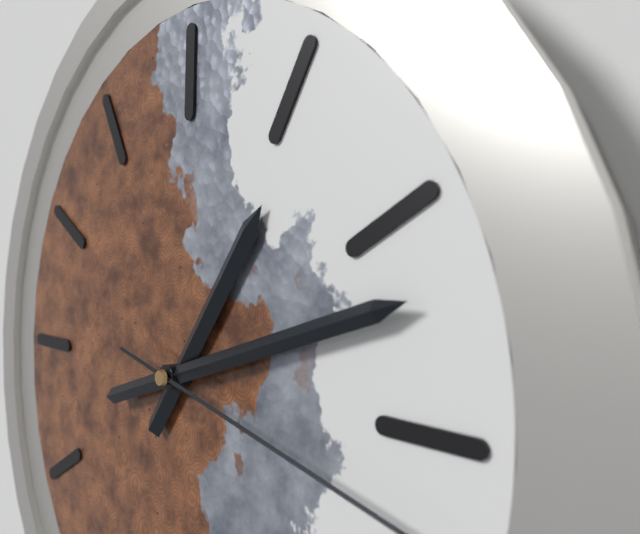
{"hour": 1, "minute": 12}
